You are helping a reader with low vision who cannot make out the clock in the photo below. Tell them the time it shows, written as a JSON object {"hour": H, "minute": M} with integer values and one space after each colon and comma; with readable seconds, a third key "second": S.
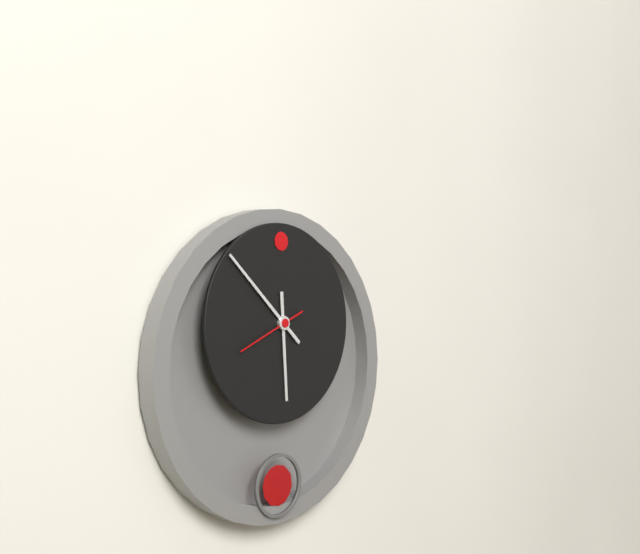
{"hour": 5, "minute": 52, "second": 41}
